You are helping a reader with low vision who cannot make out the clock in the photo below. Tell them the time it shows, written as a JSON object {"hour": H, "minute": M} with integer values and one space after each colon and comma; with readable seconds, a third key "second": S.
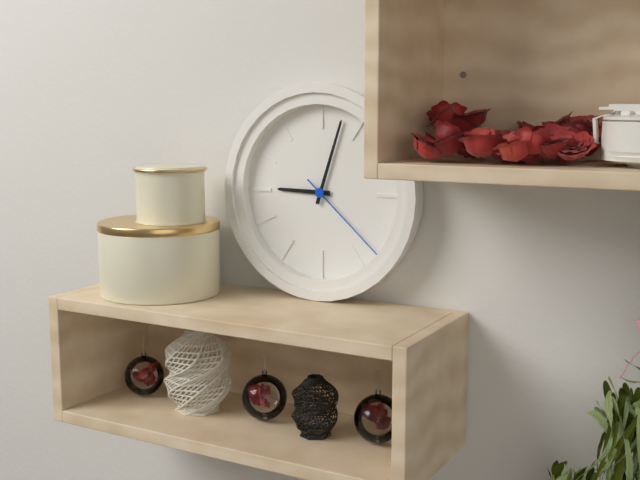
{"hour": 9, "minute": 3, "second": 22}
